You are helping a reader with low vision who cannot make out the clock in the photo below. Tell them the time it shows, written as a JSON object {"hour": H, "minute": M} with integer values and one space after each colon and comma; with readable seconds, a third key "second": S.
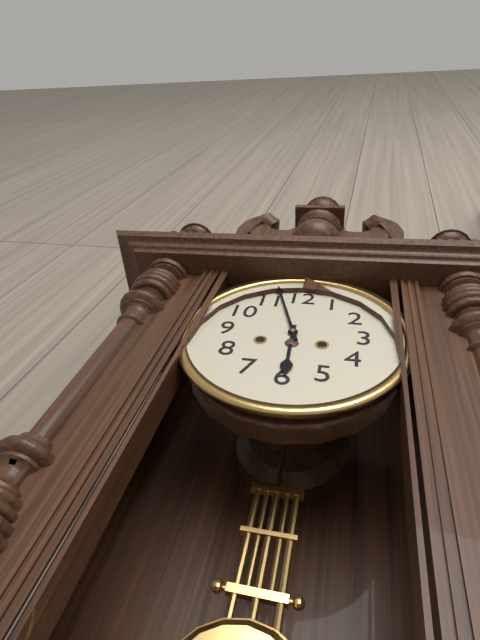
{"hour": 5, "minute": 57}
